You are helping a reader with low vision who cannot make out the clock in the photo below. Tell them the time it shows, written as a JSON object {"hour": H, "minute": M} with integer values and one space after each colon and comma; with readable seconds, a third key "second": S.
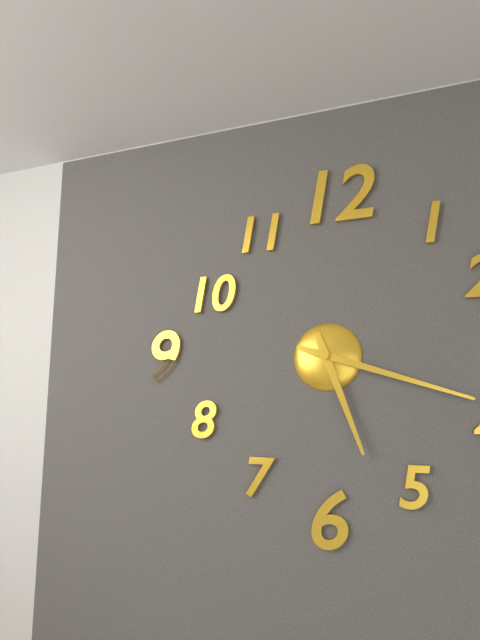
{"hour": 5, "minute": 18}
